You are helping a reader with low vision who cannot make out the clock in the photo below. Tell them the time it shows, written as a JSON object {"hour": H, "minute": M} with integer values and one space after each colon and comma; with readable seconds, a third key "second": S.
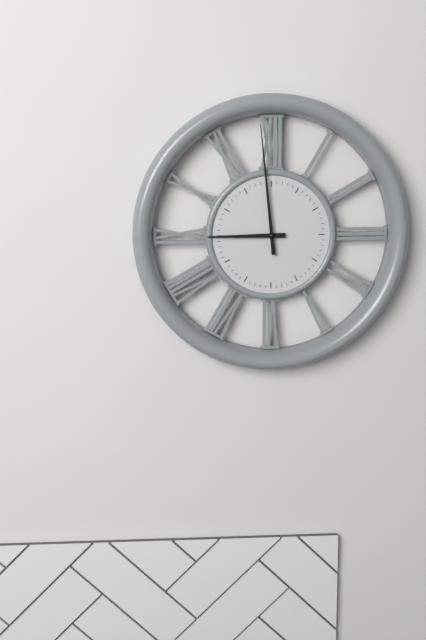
{"hour": 8, "minute": 59}
